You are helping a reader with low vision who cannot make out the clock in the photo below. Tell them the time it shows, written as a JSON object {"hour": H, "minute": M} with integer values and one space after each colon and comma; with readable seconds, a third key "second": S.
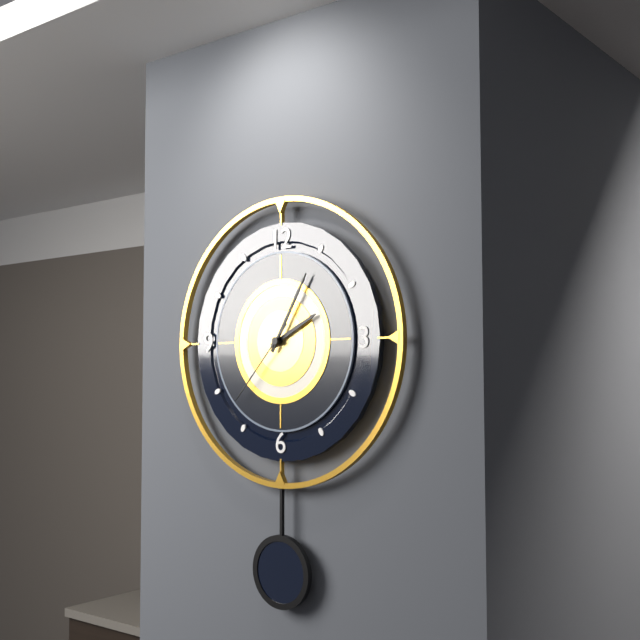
{"hour": 2, "minute": 5, "second": 37}
